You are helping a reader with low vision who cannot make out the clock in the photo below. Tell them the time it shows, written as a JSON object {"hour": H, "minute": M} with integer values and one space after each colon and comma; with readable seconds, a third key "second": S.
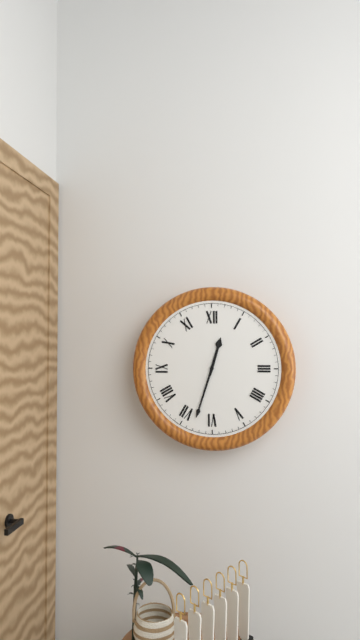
{"hour": 12, "minute": 33}
